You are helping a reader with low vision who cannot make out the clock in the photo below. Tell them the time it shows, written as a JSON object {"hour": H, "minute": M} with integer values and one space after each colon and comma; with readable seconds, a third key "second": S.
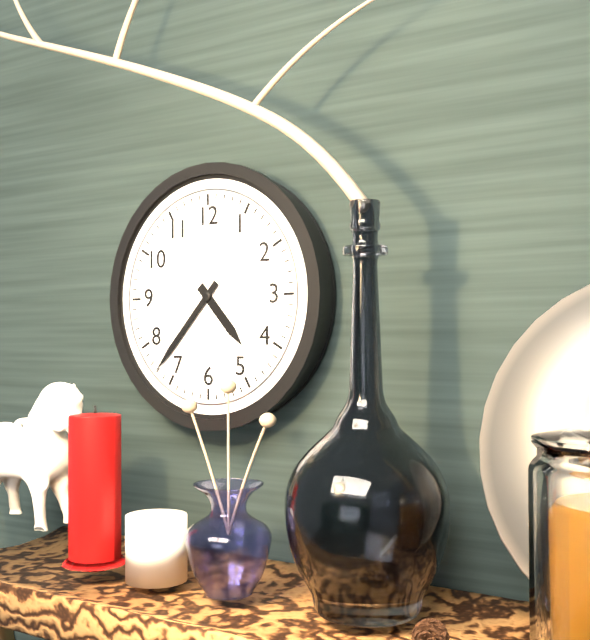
{"hour": 4, "minute": 37}
